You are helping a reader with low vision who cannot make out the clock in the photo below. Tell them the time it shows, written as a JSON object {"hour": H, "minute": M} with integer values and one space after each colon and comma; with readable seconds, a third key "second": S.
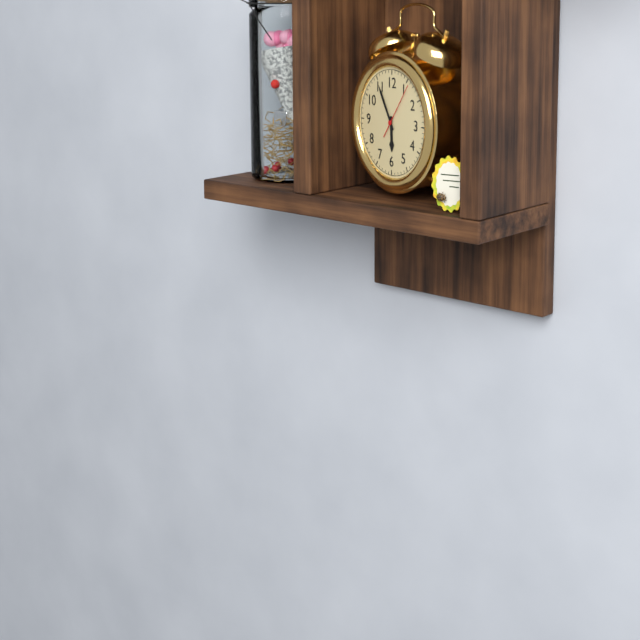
{"hour": 5, "minute": 55, "second": 6}
